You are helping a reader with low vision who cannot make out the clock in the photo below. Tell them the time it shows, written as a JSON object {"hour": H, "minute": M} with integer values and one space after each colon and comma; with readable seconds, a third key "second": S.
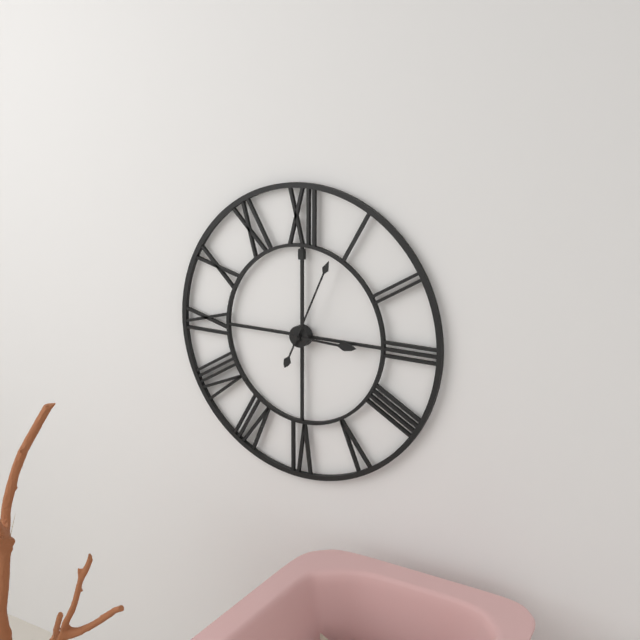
{"hour": 3, "minute": 4}
